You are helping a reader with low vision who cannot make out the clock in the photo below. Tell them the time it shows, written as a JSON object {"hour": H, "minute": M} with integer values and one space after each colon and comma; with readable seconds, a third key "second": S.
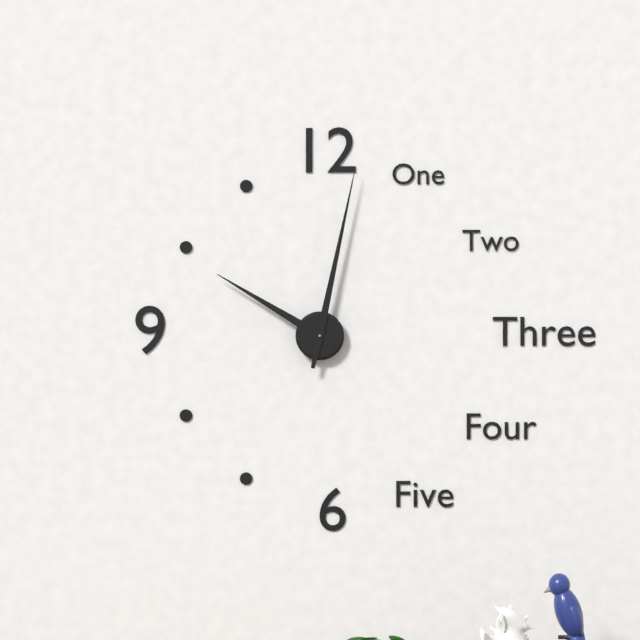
{"hour": 10, "minute": 2}
